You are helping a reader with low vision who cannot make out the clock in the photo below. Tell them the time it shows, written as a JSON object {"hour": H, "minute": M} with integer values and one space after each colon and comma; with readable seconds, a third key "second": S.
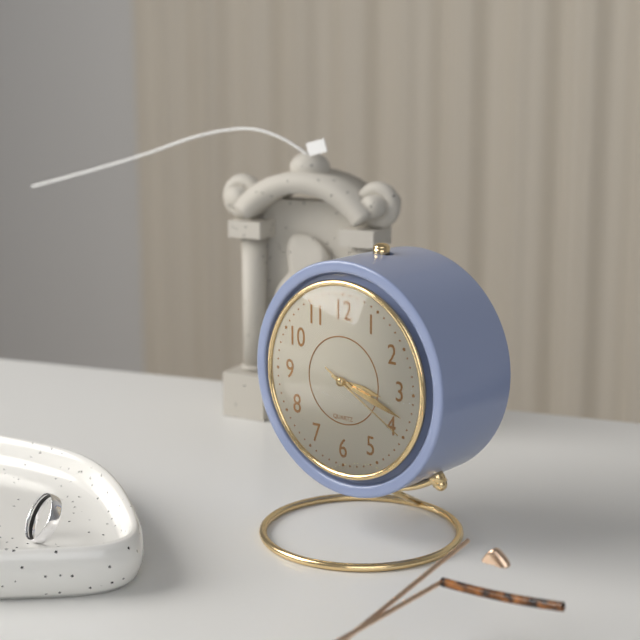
{"hour": 3, "minute": 18, "second": 20}
